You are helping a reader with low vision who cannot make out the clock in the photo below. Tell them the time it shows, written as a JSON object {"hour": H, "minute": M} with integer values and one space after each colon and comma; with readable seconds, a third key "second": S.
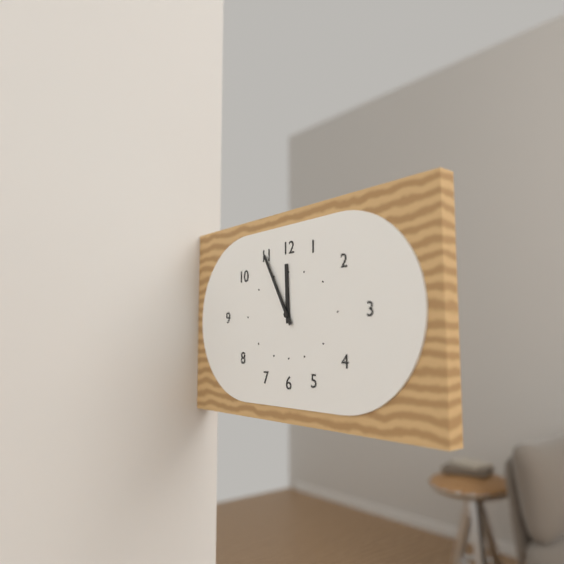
{"hour": 11, "minute": 55}
